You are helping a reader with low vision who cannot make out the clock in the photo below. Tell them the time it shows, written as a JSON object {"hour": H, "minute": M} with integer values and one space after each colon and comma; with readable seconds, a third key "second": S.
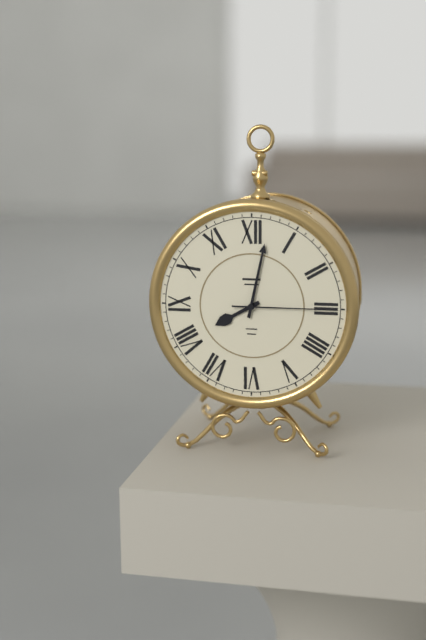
{"hour": 8, "minute": 2, "second": 15}
